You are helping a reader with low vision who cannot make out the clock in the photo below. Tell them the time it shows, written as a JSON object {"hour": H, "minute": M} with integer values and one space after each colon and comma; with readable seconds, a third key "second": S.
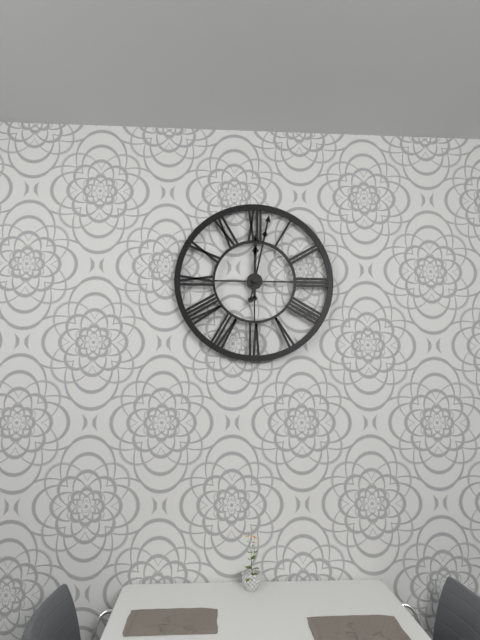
{"hour": 12, "minute": 2}
